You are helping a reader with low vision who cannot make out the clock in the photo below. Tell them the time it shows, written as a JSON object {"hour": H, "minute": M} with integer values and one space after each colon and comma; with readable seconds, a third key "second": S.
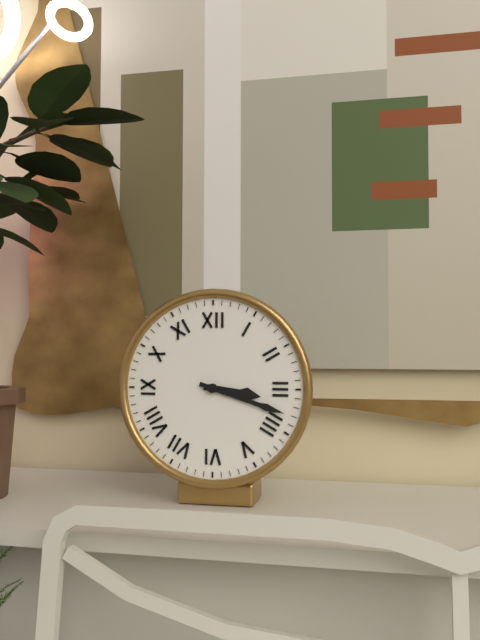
{"hour": 3, "minute": 18}
